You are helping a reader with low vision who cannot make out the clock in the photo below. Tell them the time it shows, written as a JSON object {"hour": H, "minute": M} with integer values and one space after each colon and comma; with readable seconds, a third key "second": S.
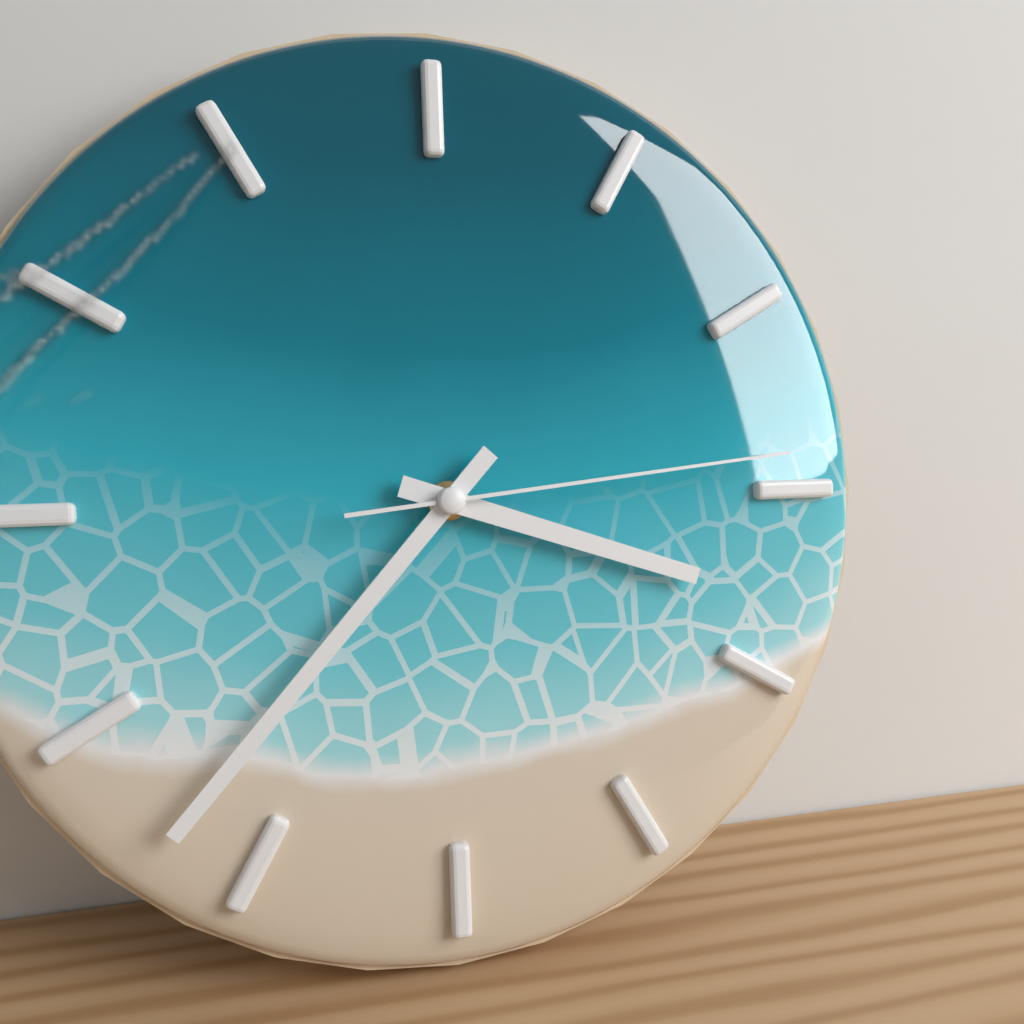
{"hour": 3, "minute": 37, "second": 14}
